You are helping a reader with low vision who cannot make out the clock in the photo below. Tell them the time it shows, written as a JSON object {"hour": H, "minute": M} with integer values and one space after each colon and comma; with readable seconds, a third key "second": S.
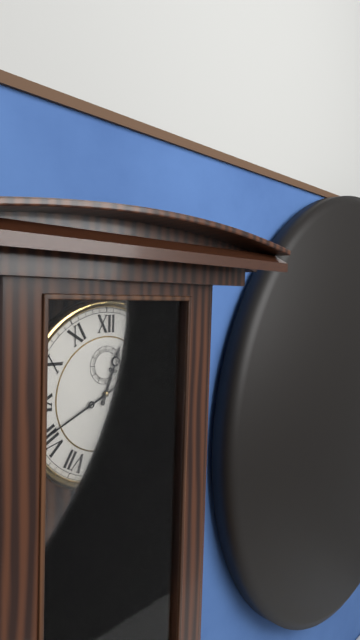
{"hour": 12, "minute": 41}
